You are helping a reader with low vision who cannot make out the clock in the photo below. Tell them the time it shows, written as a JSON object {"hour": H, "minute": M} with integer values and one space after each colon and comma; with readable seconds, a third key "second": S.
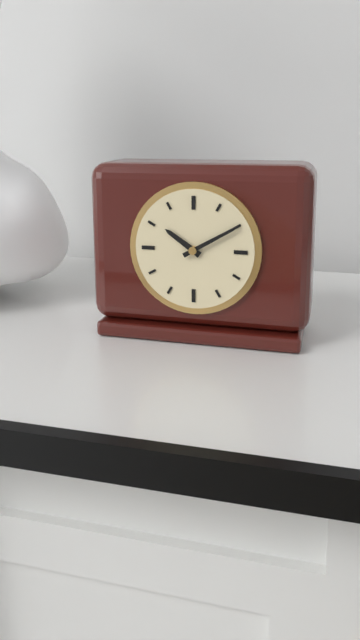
{"hour": 10, "minute": 10}
